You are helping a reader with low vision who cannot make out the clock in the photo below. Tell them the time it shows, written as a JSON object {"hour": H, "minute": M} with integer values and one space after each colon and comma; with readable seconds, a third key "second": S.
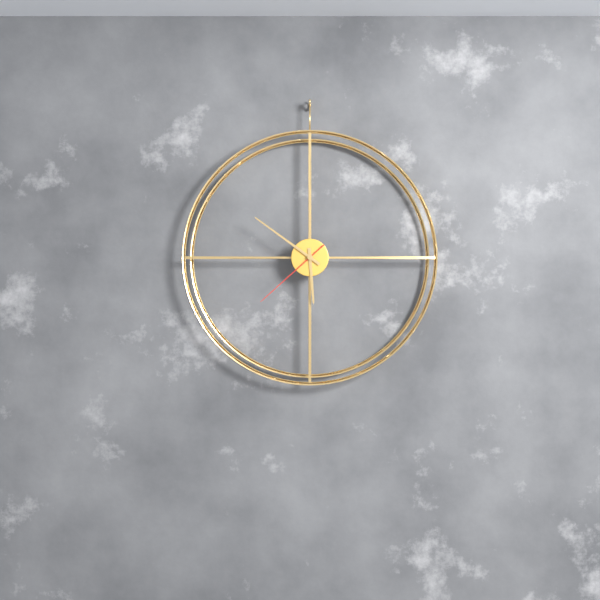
{"hour": 5, "minute": 51, "second": 38}
